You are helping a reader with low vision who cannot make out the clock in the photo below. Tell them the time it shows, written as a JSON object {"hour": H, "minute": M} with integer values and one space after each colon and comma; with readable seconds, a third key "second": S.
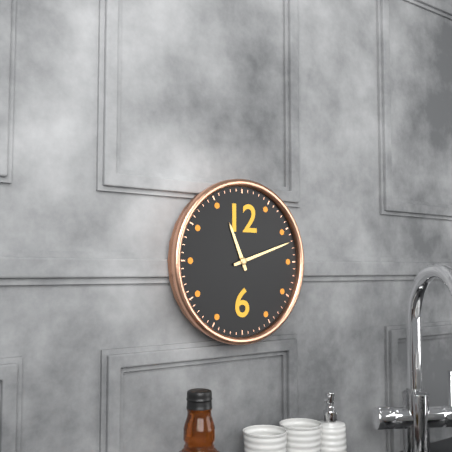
{"hour": 11, "minute": 12}
